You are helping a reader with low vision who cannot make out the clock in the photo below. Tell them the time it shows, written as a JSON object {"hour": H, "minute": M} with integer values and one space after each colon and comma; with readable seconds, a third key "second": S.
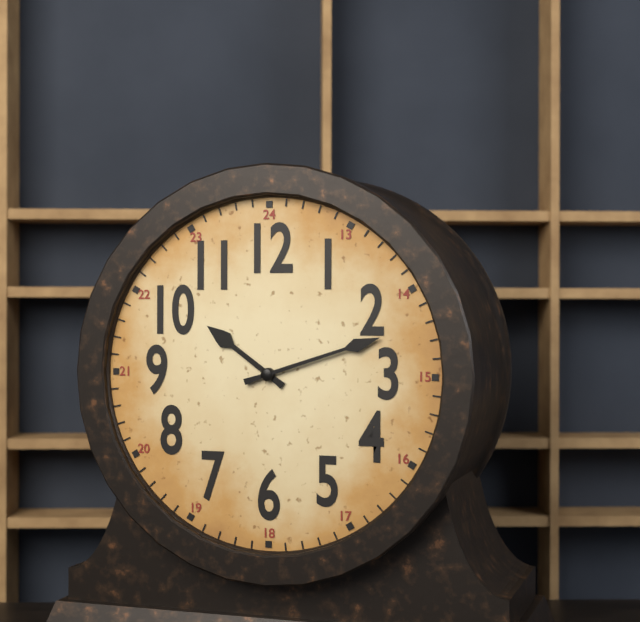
{"hour": 10, "minute": 12}
